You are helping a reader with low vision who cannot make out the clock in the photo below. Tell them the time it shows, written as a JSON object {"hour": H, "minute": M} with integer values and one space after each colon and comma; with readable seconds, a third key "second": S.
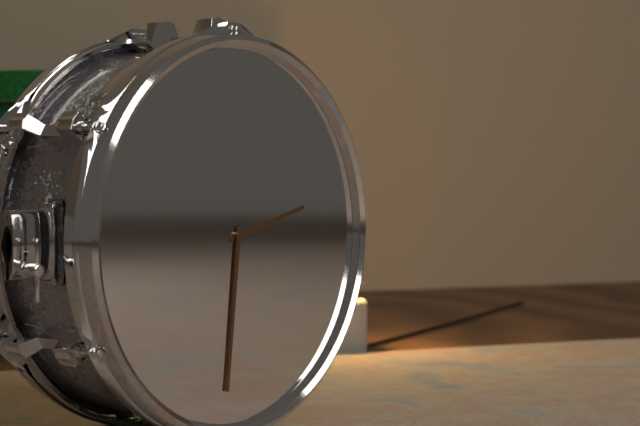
{"hour": 2, "minute": 31}
